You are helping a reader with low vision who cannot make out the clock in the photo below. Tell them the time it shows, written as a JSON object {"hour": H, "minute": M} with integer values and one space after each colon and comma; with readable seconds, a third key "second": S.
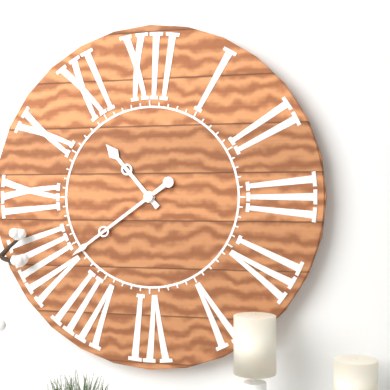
{"hour": 10, "minute": 39}
